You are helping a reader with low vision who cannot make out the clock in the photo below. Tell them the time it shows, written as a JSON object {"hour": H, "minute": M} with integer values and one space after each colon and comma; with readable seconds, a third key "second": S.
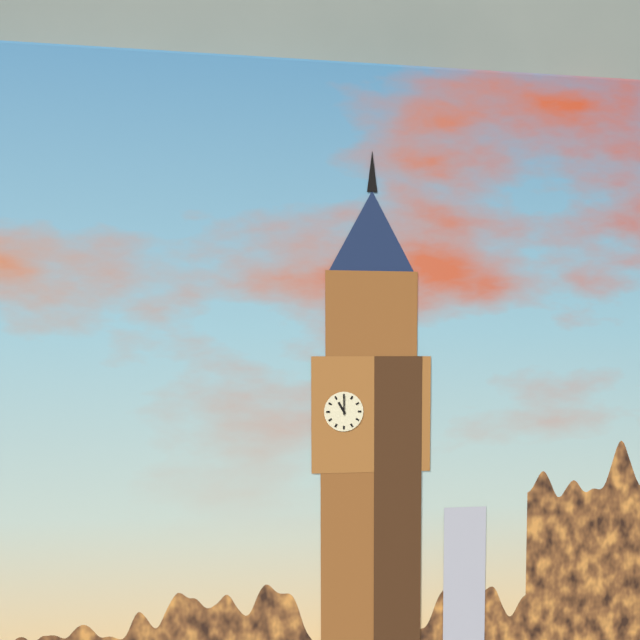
{"hour": 11, "minute": 0}
